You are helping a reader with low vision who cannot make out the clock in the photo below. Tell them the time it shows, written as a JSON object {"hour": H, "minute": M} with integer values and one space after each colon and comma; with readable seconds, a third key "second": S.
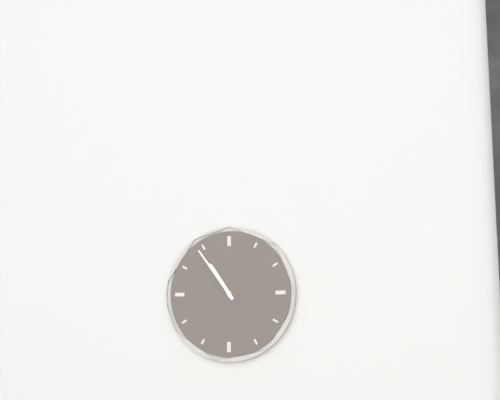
{"hour": 10, "minute": 54}
